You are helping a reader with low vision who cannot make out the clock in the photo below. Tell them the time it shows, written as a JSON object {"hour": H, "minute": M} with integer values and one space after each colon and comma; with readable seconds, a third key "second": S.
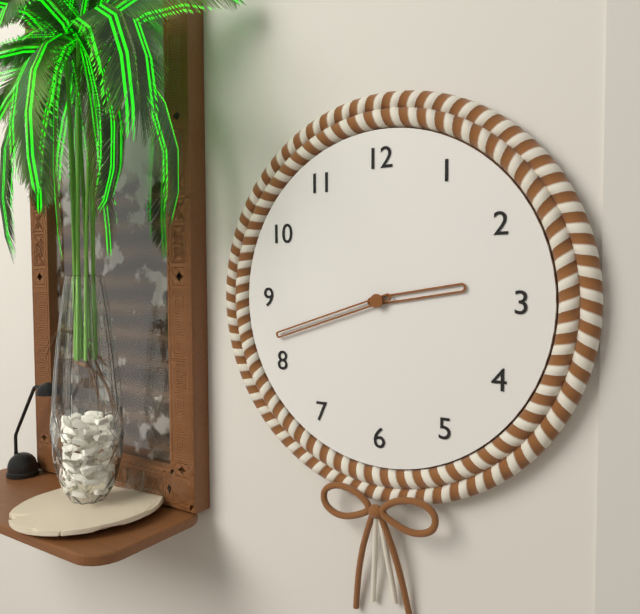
{"hour": 2, "minute": 42}
